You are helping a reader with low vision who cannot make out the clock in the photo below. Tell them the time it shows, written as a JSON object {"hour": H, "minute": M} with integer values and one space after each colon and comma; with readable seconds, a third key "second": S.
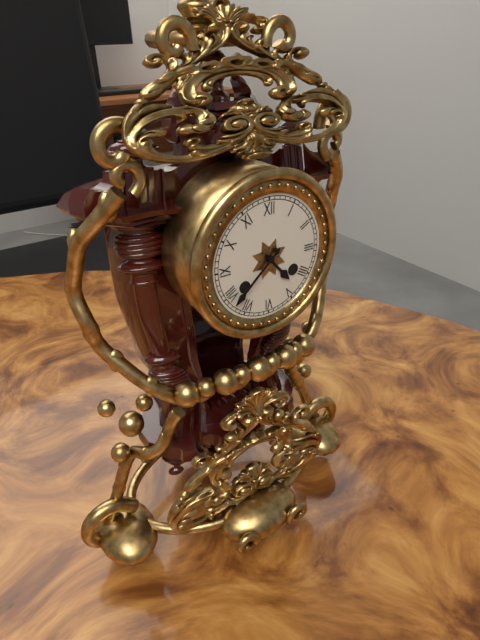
{"hour": 4, "minute": 38}
